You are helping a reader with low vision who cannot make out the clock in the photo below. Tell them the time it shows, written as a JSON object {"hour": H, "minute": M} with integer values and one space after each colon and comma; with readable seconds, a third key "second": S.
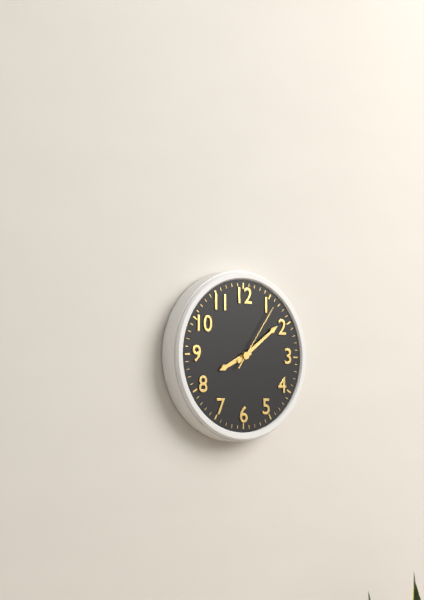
{"hour": 8, "minute": 9, "second": 6}
